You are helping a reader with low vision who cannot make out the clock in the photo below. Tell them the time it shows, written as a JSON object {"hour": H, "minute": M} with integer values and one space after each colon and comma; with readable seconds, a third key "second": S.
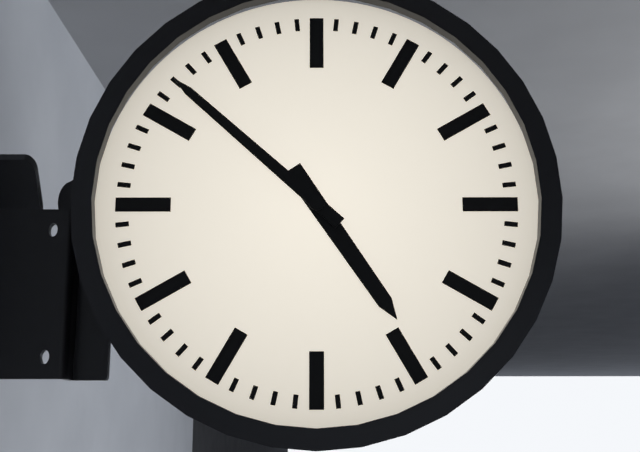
{"hour": 4, "minute": 52}
